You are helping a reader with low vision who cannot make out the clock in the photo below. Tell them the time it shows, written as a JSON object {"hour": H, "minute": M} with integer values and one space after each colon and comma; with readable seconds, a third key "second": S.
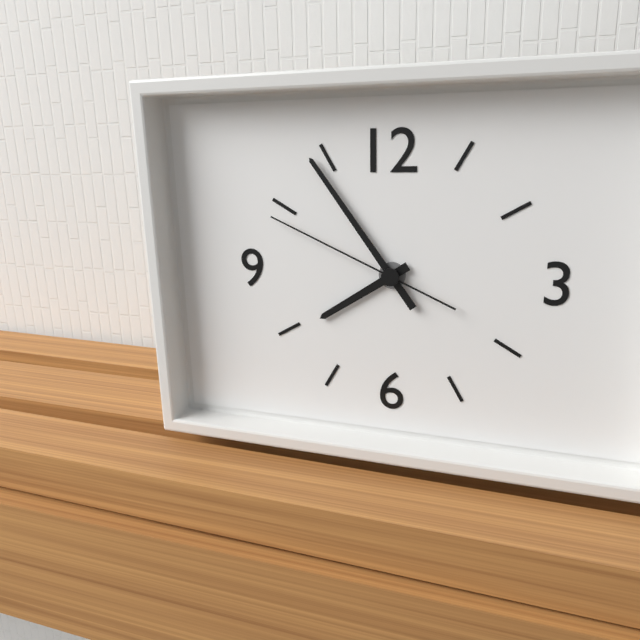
{"hour": 7, "minute": 54, "second": 49}
